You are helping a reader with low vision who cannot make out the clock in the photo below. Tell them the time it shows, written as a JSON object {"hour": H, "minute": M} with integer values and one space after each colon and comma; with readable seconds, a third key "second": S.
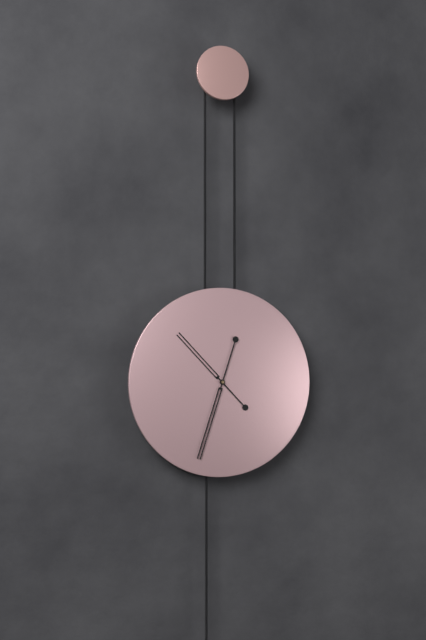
{"hour": 10, "minute": 33}
